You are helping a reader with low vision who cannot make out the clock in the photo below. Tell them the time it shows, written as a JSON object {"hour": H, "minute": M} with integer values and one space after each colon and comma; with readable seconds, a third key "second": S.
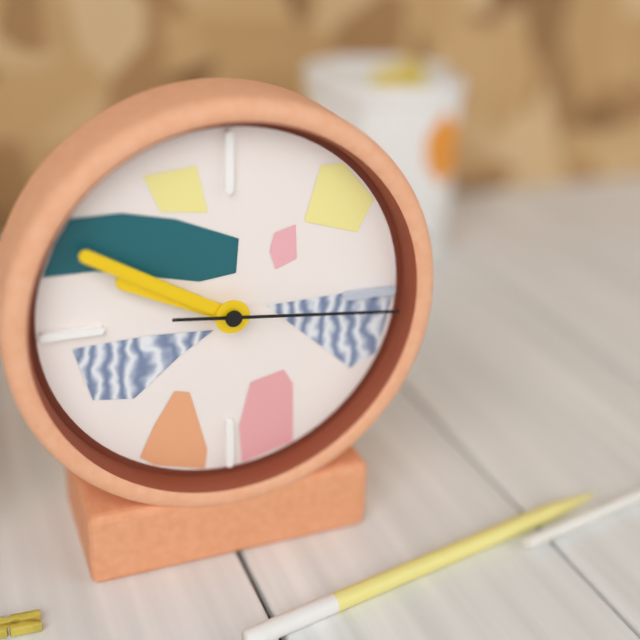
{"hour": 9, "minute": 50, "second": 16}
